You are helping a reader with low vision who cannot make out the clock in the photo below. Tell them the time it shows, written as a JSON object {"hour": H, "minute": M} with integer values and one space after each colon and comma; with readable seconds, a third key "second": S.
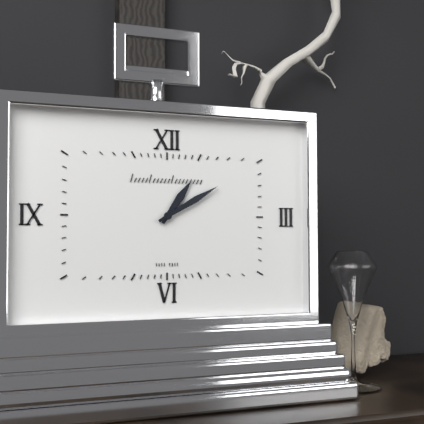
{"hour": 1, "minute": 10}
